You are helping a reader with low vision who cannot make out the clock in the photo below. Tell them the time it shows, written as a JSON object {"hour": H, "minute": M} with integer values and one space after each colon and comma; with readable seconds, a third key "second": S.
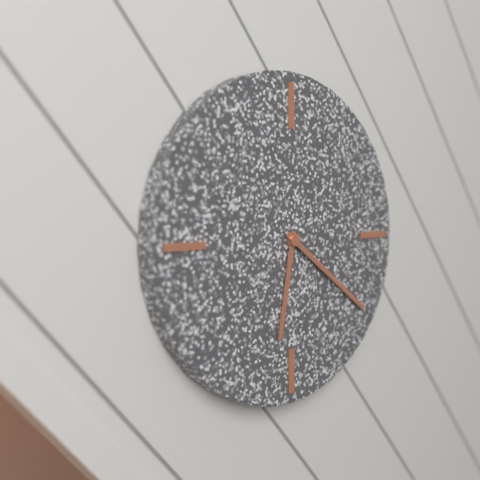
{"hour": 6, "minute": 21}
